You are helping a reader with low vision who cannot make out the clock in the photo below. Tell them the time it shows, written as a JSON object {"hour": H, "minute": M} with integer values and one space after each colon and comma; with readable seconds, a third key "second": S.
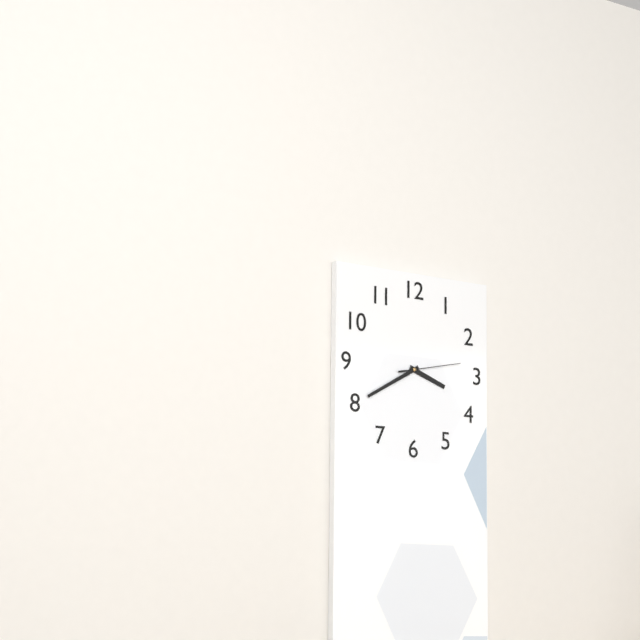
{"hour": 3, "minute": 40, "second": 13}
